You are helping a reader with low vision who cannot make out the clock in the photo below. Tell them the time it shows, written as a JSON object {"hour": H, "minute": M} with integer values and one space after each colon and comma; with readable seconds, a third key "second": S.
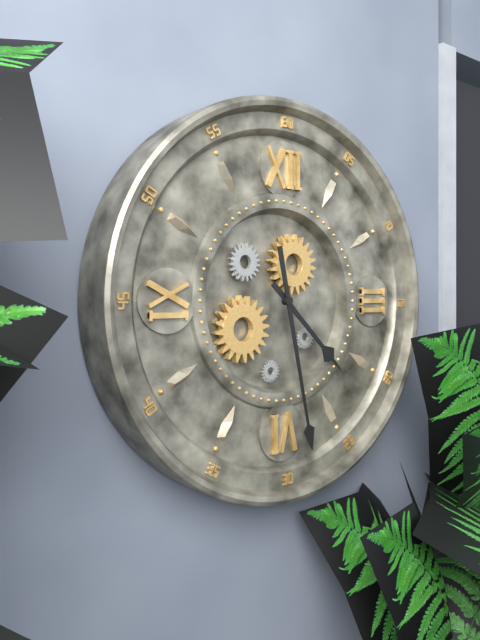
{"hour": 4, "minute": 28}
